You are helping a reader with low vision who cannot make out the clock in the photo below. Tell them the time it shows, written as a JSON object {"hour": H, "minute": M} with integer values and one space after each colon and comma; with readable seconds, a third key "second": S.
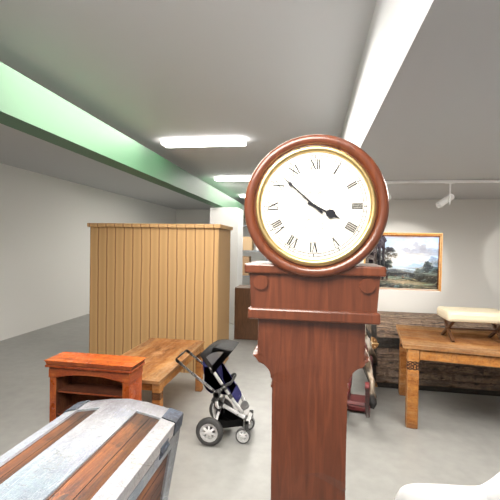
{"hour": 3, "minute": 52}
